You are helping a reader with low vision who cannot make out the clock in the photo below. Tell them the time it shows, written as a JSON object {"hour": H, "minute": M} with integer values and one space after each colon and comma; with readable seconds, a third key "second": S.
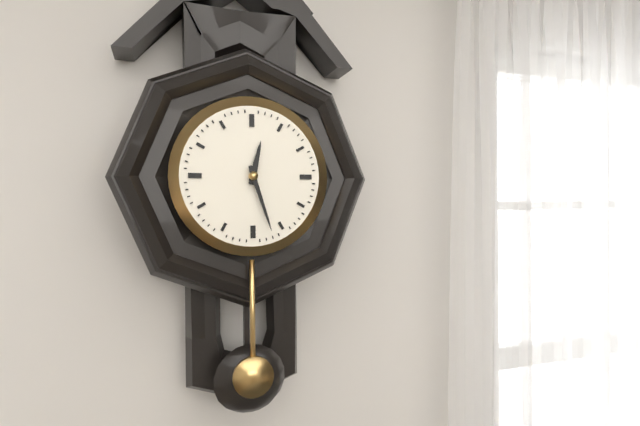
{"hour": 12, "minute": 27}
